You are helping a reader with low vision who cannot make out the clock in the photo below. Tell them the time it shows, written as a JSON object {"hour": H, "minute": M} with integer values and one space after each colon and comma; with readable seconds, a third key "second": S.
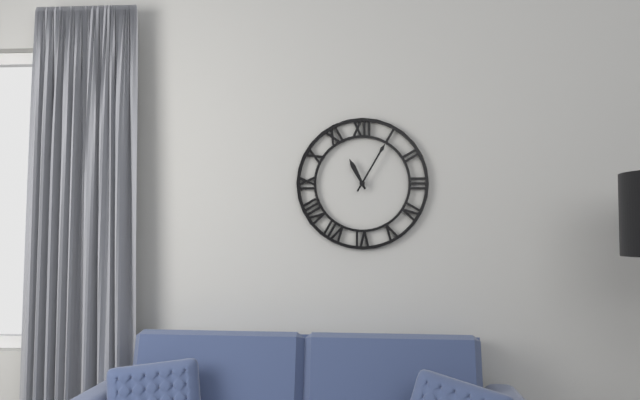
{"hour": 11, "minute": 5}
